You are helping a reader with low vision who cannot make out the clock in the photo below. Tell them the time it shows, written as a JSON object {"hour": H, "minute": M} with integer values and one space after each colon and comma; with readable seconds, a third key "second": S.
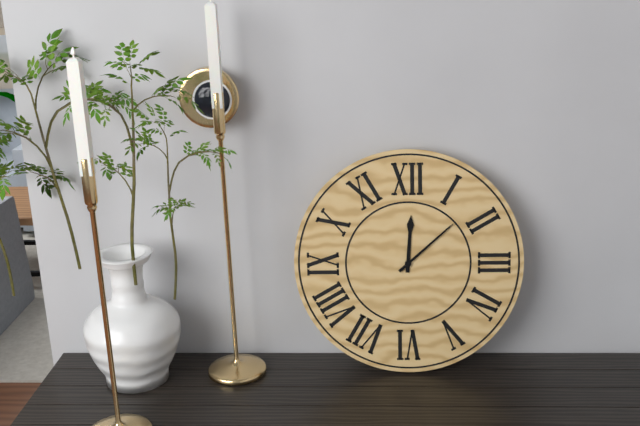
{"hour": 12, "minute": 8}
